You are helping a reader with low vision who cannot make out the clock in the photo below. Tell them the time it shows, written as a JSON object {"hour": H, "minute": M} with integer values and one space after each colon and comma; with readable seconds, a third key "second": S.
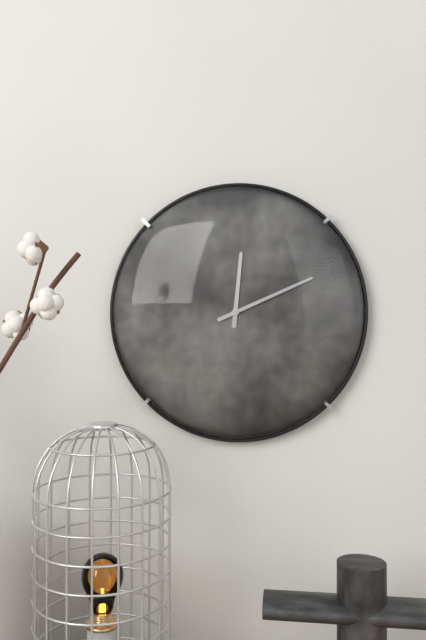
{"hour": 12, "minute": 11}
